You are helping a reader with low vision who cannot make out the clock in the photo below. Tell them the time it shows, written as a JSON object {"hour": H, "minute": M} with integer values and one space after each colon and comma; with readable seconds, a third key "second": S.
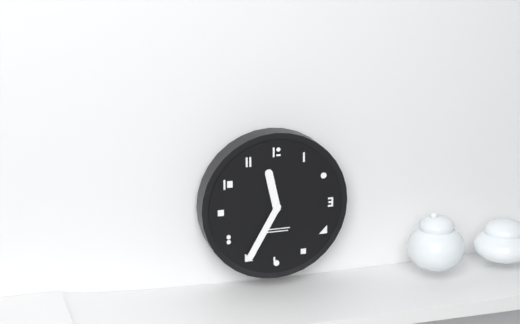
{"hour": 11, "minute": 35}
